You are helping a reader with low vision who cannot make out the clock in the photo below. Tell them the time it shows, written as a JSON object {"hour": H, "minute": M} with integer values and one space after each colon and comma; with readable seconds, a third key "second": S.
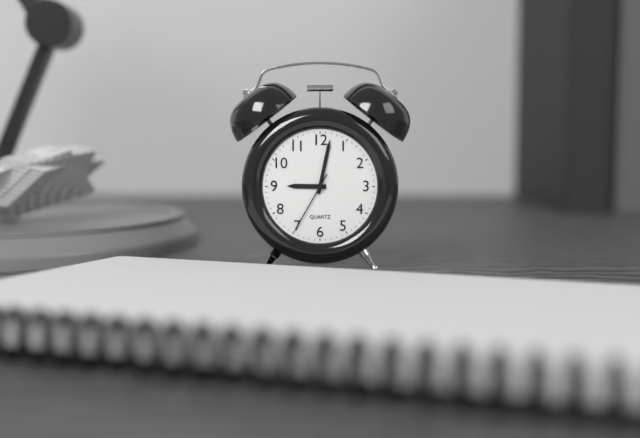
{"hour": 9, "minute": 2, "second": 35}
